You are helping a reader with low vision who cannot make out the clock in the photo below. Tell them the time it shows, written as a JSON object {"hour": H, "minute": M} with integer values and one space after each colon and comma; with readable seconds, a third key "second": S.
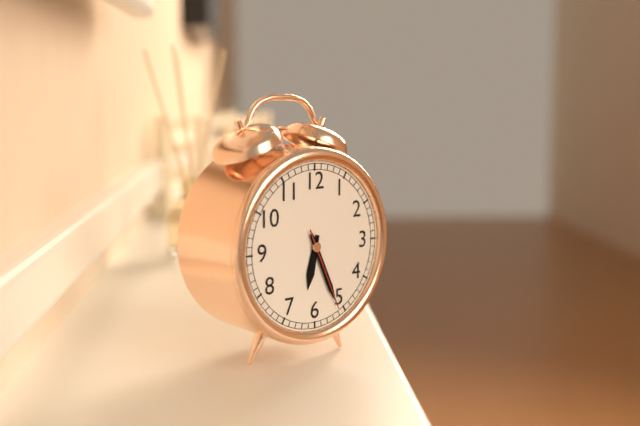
{"hour": 6, "minute": 26, "second": 26}
